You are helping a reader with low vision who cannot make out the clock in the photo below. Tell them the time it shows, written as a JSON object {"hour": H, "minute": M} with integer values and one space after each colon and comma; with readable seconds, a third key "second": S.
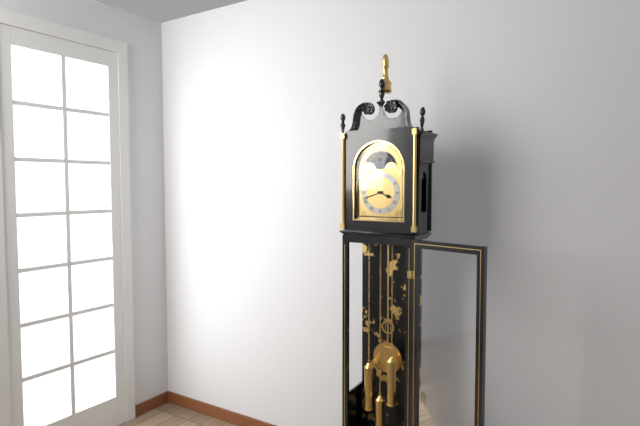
{"hour": 3, "minute": 42}
